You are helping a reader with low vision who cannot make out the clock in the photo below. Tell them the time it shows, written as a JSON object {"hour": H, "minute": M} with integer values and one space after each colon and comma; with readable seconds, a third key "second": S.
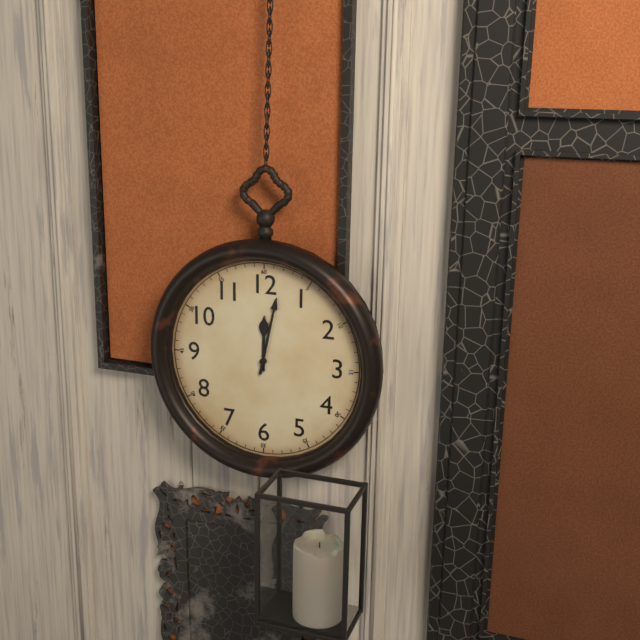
{"hour": 12, "minute": 2}
